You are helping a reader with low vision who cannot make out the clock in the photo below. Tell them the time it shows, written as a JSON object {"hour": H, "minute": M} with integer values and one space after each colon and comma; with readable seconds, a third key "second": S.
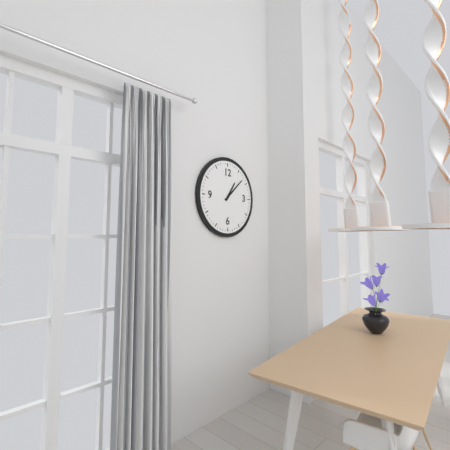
{"hour": 1, "minute": 8}
